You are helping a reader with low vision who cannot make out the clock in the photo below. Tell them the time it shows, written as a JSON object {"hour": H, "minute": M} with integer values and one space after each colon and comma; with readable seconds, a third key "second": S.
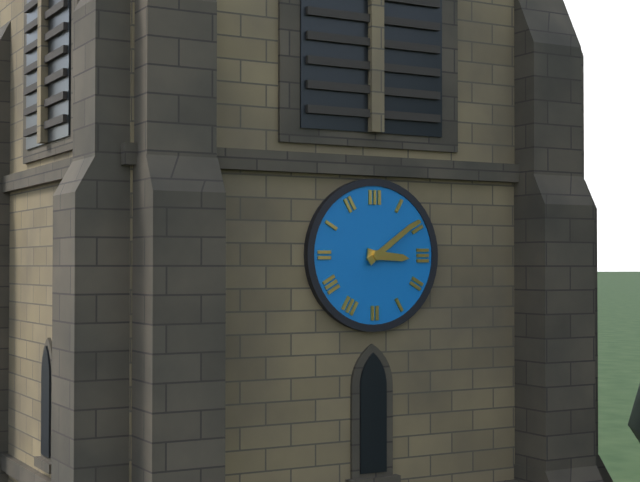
{"hour": 3, "minute": 9}
